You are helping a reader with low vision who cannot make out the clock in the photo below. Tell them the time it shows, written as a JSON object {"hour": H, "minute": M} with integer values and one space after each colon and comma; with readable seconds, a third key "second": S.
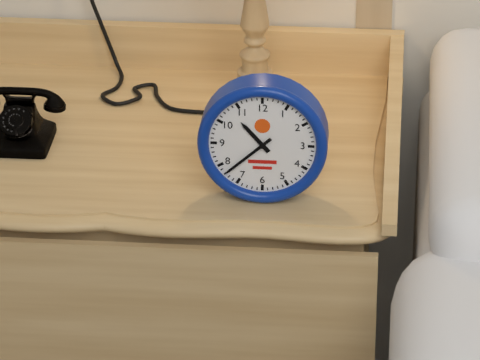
{"hour": 10, "minute": 38}
